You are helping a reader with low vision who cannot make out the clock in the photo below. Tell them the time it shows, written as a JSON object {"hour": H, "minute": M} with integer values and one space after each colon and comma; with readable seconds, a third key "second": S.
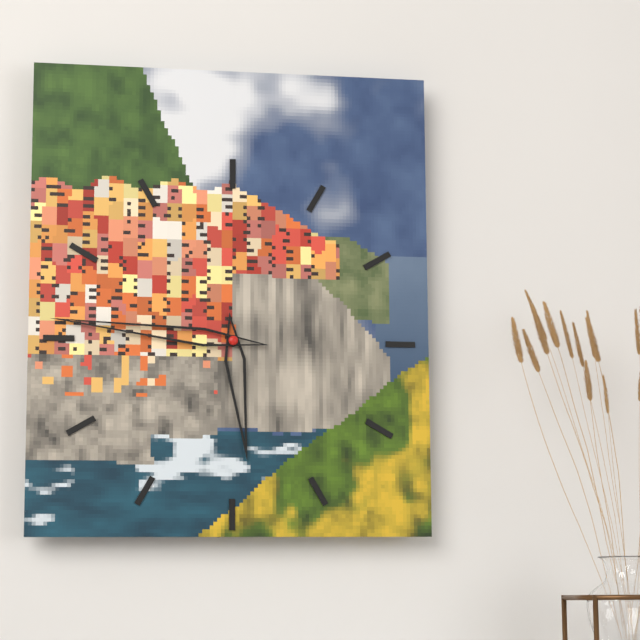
{"hour": 5, "minute": 46}
